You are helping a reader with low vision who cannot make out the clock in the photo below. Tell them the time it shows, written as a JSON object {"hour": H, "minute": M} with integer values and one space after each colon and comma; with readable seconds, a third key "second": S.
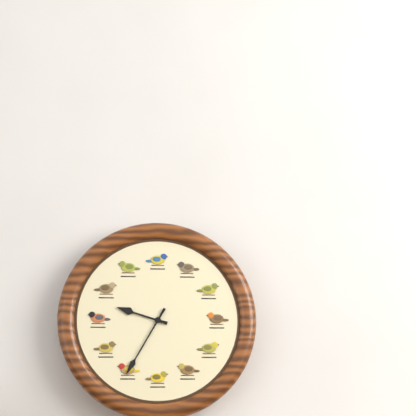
{"hour": 9, "minute": 35}
